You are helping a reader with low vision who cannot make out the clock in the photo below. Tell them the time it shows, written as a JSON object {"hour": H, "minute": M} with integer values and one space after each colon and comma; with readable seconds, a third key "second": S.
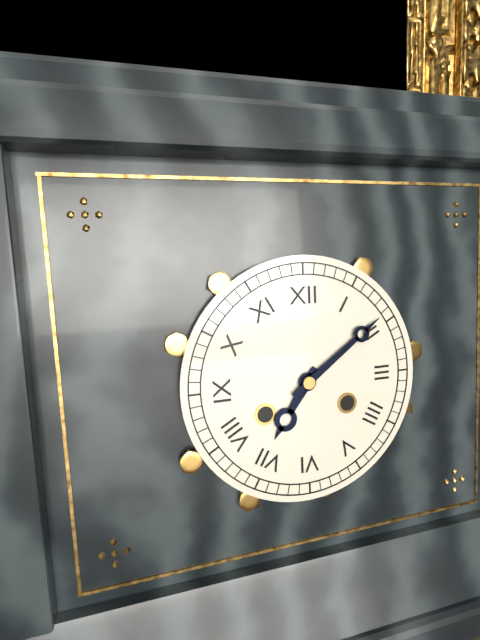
{"hour": 7, "minute": 9}
